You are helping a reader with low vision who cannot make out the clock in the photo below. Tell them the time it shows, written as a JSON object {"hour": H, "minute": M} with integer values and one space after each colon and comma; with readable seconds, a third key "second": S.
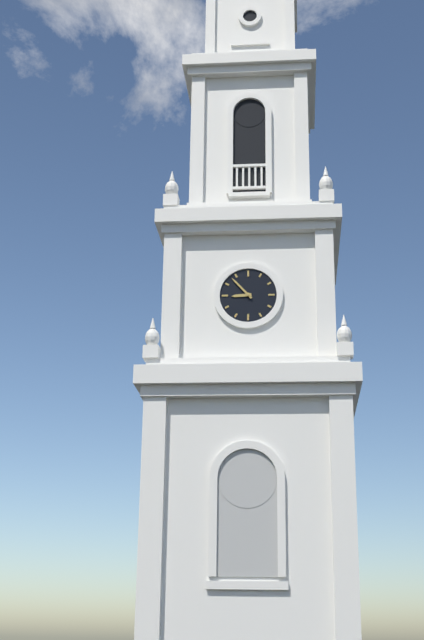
{"hour": 8, "minute": 53}
